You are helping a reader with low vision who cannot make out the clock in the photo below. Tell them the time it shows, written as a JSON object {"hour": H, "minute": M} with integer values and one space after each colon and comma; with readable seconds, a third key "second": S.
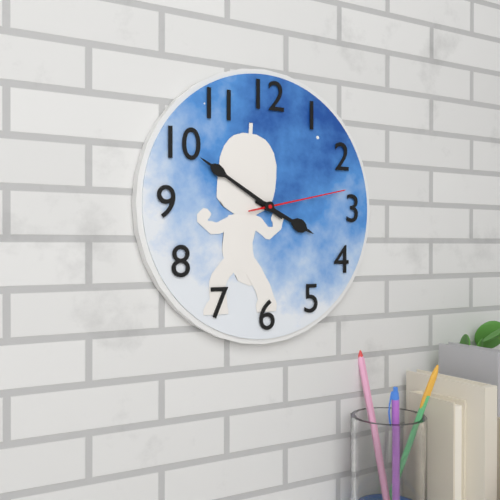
{"hour": 3, "minute": 50, "second": 13}
